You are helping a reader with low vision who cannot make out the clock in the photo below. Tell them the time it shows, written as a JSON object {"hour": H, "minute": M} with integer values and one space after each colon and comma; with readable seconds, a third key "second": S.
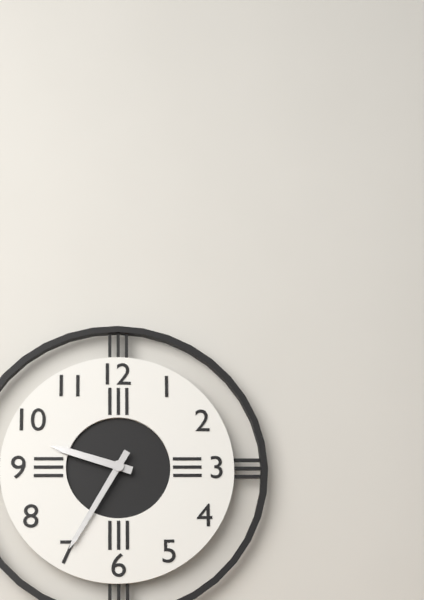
{"hour": 9, "minute": 35}
